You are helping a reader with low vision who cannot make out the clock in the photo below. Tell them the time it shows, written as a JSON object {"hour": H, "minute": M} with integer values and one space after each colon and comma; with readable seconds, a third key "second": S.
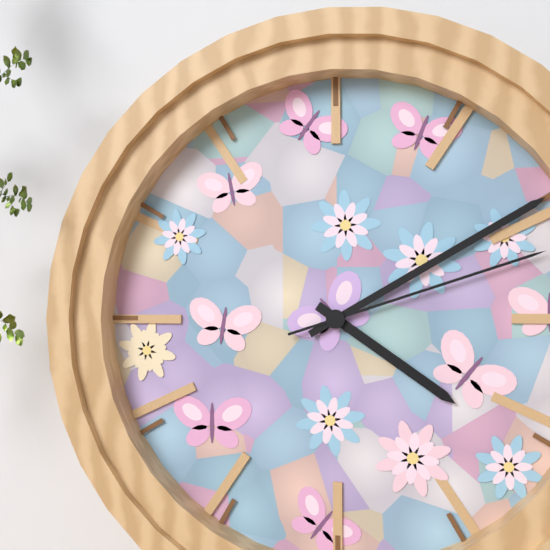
{"hour": 4, "minute": 10, "second": 12}
